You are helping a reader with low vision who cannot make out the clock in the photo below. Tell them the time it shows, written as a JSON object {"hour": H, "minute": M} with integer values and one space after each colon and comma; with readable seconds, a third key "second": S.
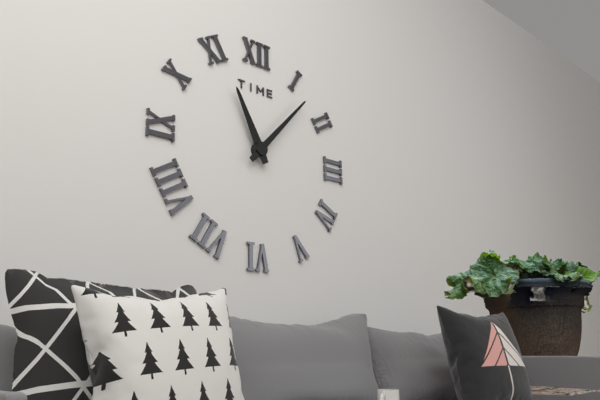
{"hour": 11, "minute": 7}
